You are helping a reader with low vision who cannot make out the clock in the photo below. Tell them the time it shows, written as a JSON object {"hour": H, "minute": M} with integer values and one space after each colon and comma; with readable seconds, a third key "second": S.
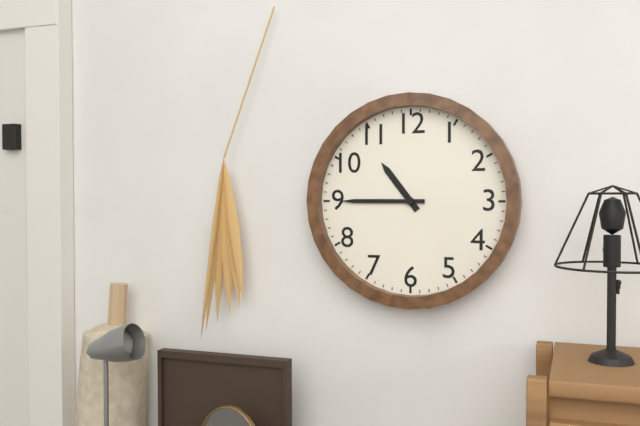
{"hour": 10, "minute": 45}
